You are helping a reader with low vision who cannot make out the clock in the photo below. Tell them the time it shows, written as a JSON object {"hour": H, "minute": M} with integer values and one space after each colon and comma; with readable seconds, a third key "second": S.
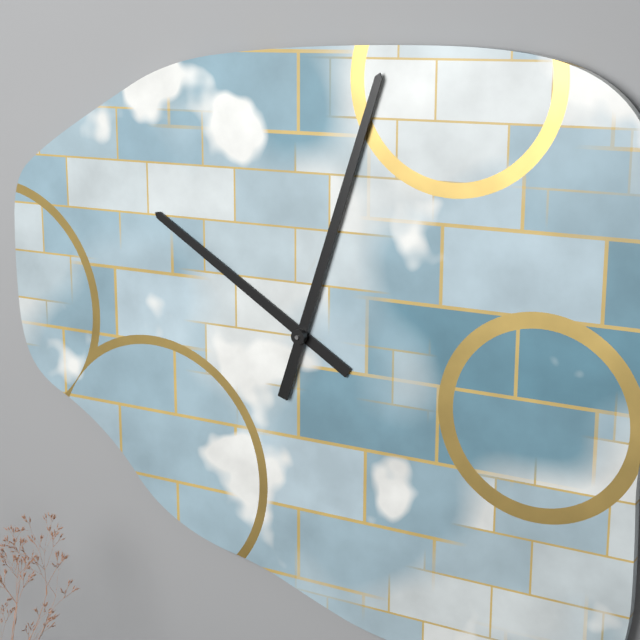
{"hour": 10, "minute": 3}
